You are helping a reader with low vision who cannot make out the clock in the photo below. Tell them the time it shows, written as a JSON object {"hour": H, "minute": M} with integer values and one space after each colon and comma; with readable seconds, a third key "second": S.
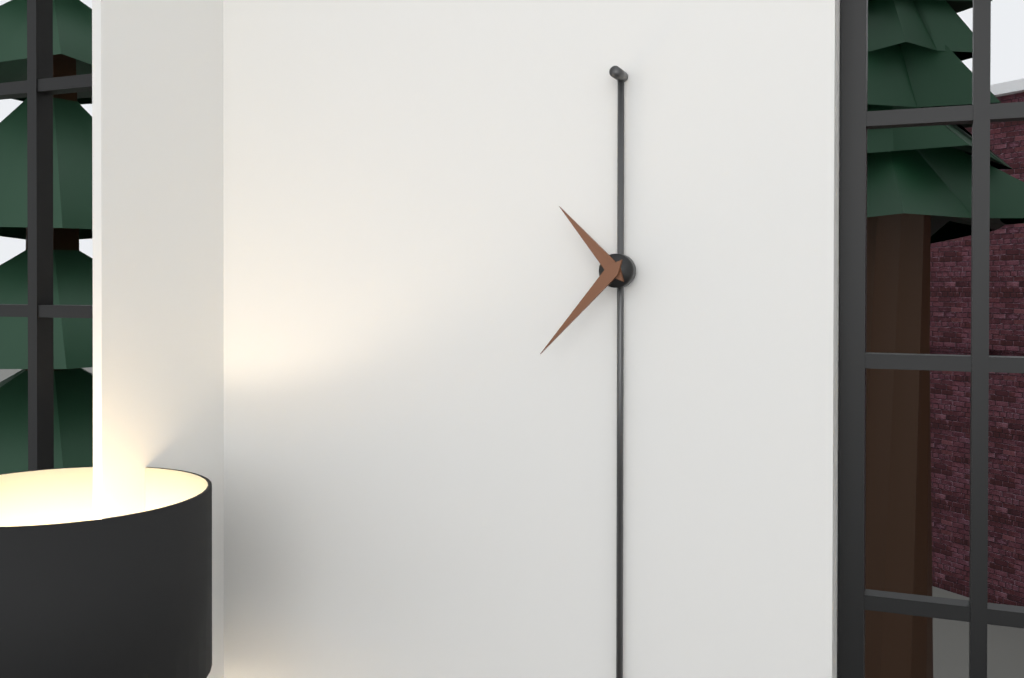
{"hour": 10, "minute": 37}
